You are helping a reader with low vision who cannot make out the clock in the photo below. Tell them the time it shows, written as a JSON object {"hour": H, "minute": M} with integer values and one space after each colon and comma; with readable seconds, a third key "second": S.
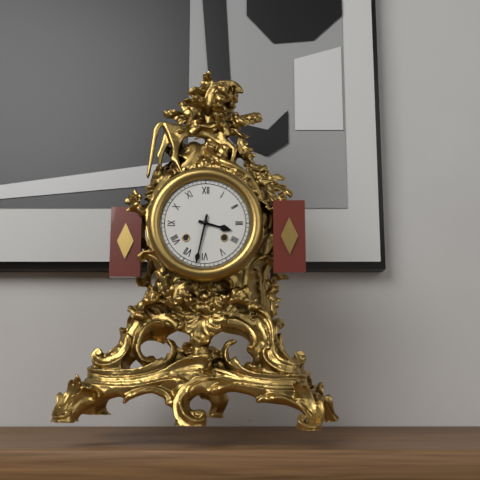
{"hour": 3, "minute": 32}
